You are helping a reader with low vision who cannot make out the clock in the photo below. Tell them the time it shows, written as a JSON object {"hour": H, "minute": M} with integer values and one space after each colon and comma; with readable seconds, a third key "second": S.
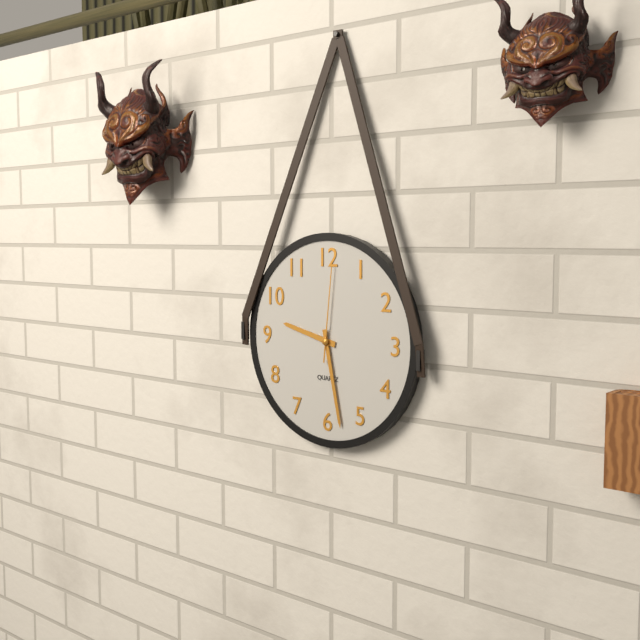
{"hour": 9, "minute": 28, "second": 1}
